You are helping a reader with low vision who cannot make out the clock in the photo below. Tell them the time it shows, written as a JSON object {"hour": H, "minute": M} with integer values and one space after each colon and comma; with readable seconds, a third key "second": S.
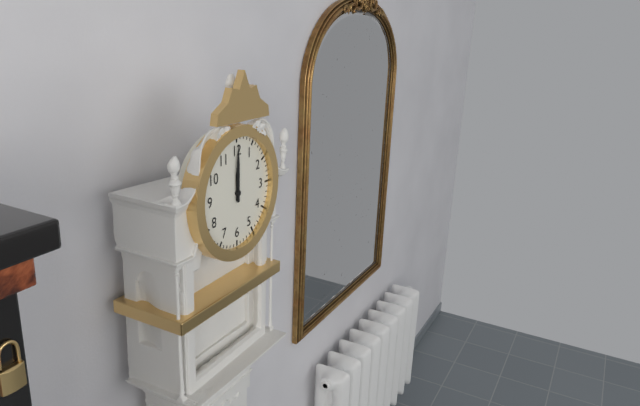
{"hour": 12, "minute": 0}
